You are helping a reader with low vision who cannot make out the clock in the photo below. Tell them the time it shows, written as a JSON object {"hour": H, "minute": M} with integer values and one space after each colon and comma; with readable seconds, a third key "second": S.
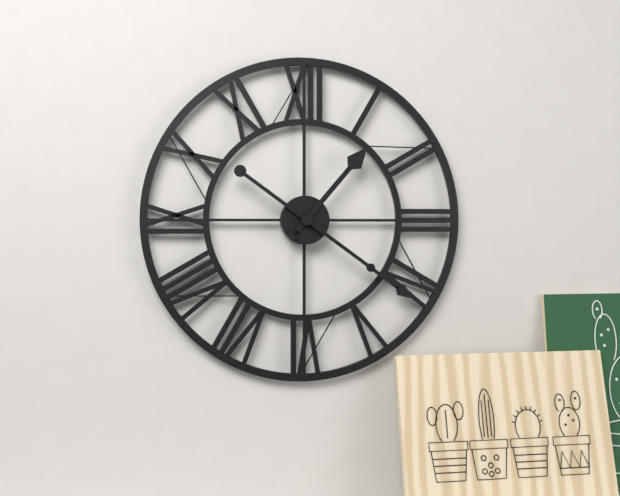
{"hour": 1, "minute": 21}
